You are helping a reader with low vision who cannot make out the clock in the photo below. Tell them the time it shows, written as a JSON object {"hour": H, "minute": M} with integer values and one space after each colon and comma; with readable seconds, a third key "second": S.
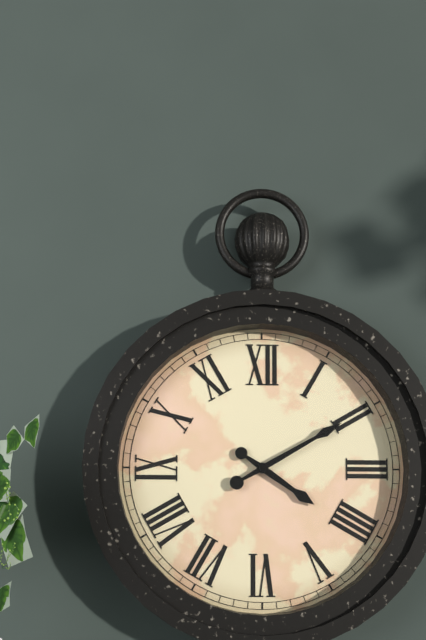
{"hour": 4, "minute": 10}
